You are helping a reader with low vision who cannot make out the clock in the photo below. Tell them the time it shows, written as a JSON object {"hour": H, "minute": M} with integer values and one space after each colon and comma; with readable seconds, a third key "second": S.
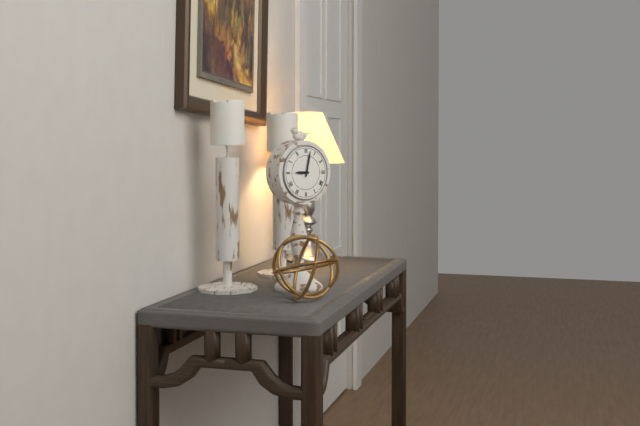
{"hour": 9, "minute": 2}
